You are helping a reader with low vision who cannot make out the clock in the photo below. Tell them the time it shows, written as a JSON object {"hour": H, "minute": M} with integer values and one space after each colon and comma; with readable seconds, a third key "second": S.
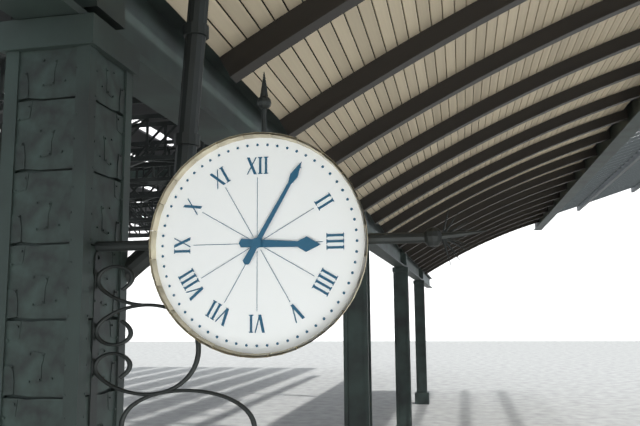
{"hour": 3, "minute": 5}
